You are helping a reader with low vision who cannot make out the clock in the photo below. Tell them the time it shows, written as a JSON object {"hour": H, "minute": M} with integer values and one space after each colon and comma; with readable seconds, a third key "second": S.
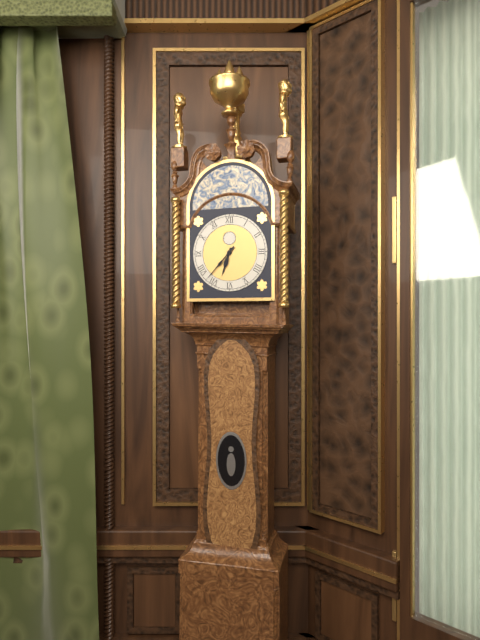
{"hour": 6, "minute": 37}
